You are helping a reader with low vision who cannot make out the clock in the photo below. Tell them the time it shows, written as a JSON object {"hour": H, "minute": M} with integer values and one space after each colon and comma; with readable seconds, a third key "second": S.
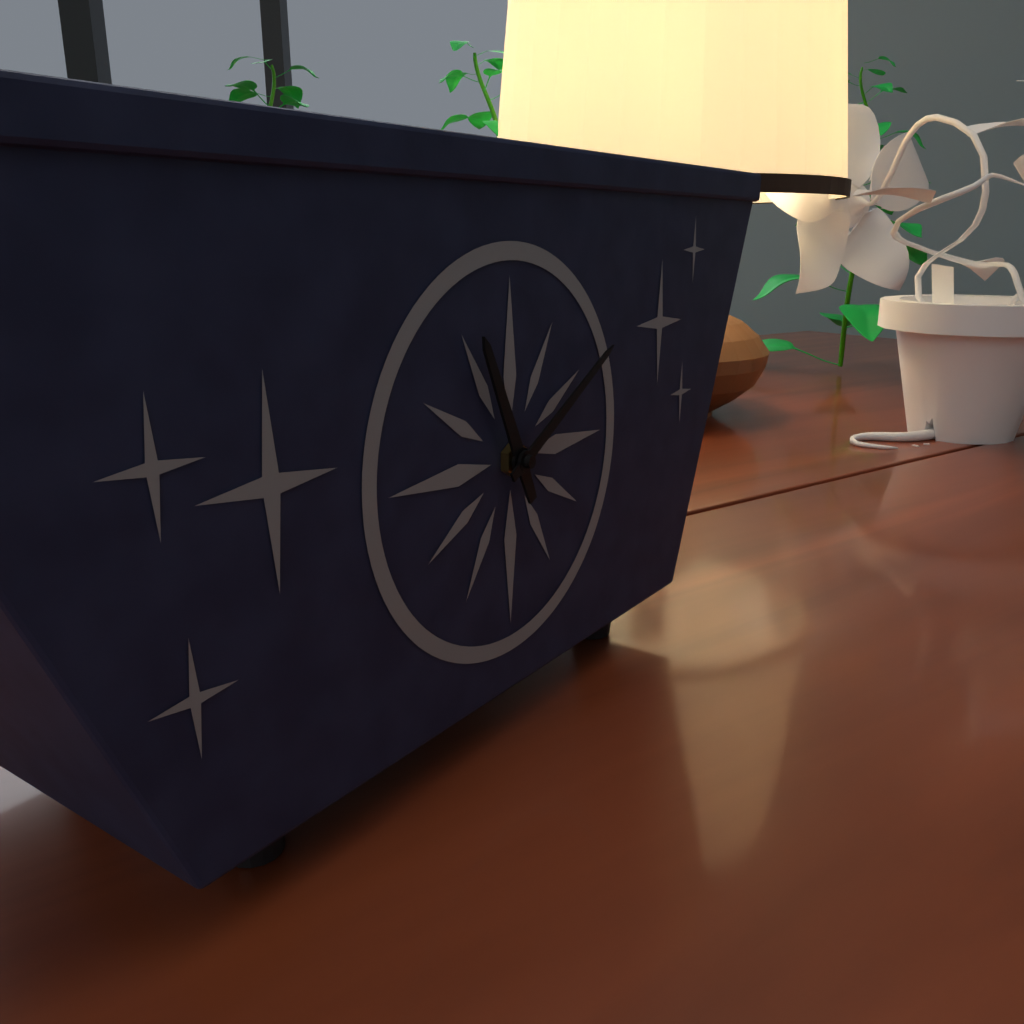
{"hour": 11, "minute": 10}
